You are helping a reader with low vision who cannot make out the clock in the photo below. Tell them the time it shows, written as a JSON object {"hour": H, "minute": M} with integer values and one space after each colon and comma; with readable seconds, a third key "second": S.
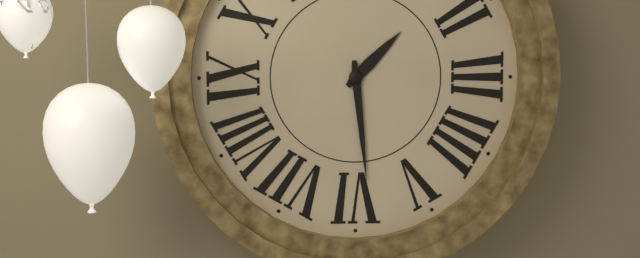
{"hour": 1, "minute": 29}
